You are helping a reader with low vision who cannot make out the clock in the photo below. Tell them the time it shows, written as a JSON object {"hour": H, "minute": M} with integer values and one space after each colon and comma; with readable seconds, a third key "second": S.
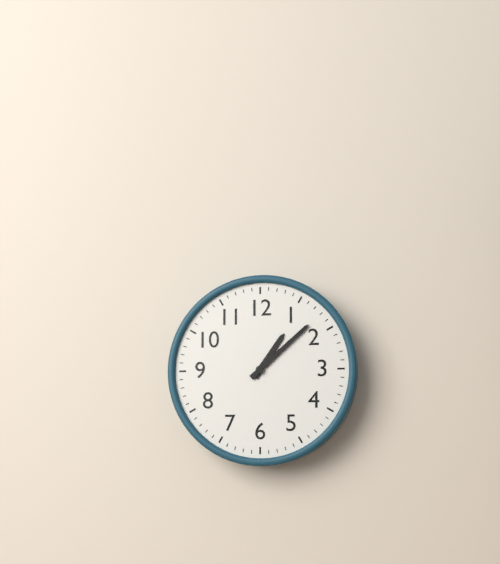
{"hour": 1, "minute": 8}
